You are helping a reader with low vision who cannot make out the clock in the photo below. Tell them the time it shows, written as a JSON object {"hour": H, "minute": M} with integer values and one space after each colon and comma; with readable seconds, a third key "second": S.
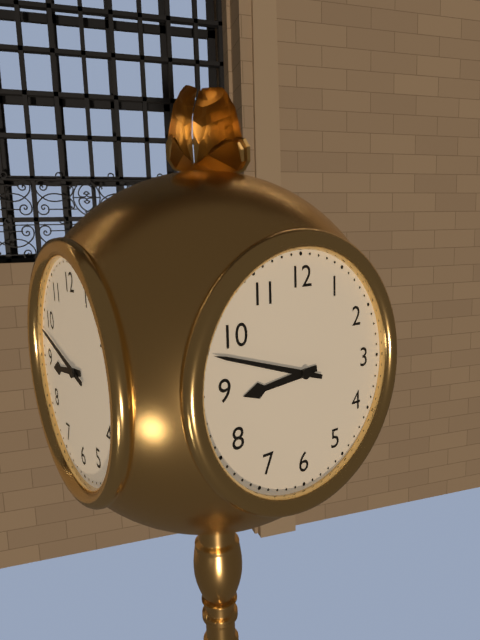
{"hour": 8, "minute": 48}
